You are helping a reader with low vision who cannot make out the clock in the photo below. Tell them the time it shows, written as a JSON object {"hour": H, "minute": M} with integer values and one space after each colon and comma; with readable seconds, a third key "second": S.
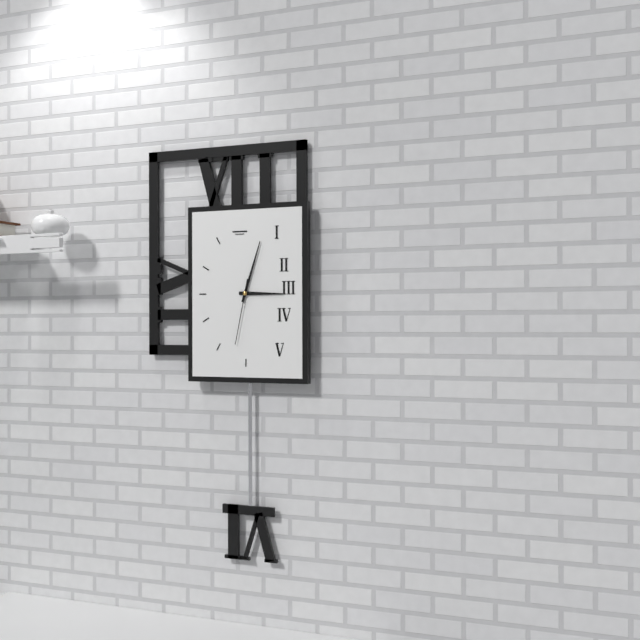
{"hour": 3, "minute": 3, "second": 32}
